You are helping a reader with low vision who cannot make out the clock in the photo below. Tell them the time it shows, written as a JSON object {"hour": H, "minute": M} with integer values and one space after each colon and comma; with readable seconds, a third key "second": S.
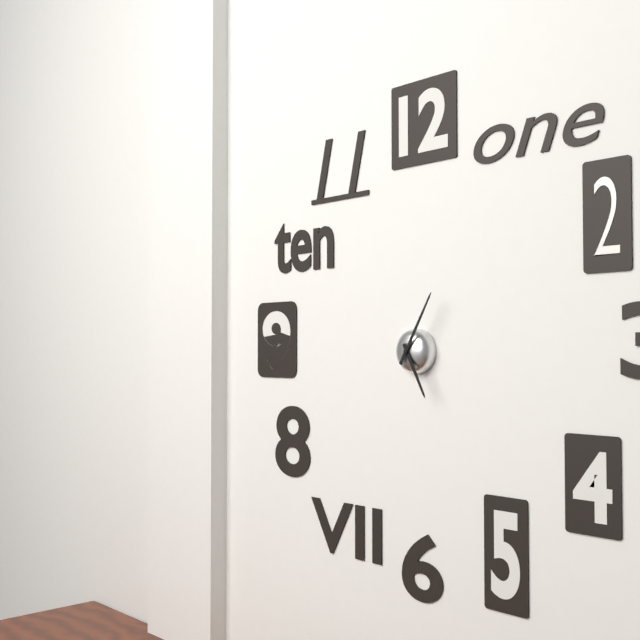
{"hour": 5, "minute": 5}
